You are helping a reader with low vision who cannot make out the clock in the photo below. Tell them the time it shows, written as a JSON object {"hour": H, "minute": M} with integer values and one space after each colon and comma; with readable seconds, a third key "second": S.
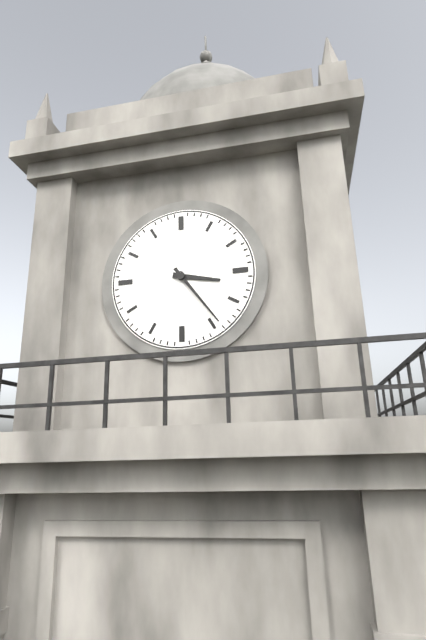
{"hour": 3, "minute": 24}
